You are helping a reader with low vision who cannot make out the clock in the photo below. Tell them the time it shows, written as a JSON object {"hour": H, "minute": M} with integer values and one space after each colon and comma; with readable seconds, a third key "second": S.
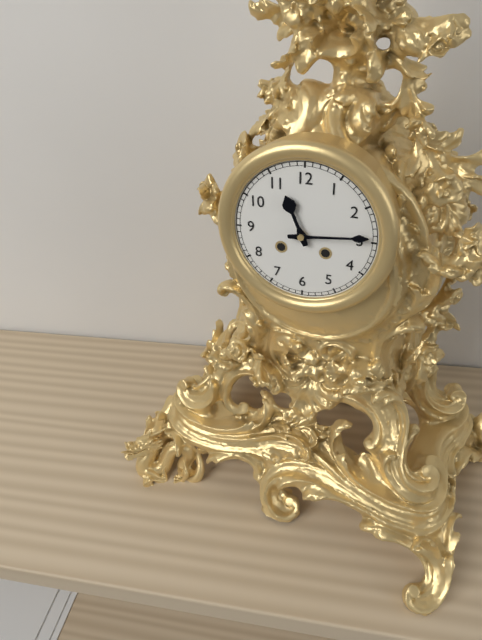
{"hour": 11, "minute": 14}
